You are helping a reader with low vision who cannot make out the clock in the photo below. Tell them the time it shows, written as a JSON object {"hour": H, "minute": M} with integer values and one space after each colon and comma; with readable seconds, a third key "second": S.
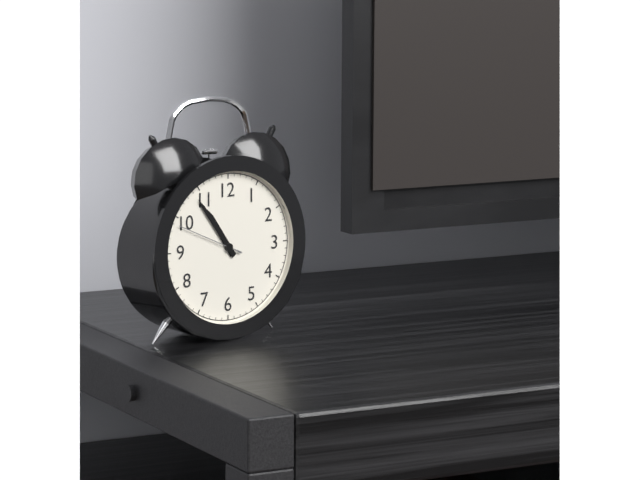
{"hour": 10, "minute": 54, "second": 49}
